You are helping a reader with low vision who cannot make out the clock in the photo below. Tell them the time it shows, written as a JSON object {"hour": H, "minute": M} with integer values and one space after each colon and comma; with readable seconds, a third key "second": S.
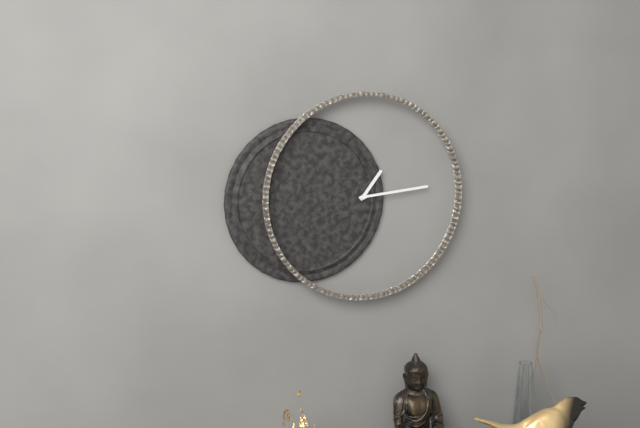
{"hour": 1, "minute": 14}
